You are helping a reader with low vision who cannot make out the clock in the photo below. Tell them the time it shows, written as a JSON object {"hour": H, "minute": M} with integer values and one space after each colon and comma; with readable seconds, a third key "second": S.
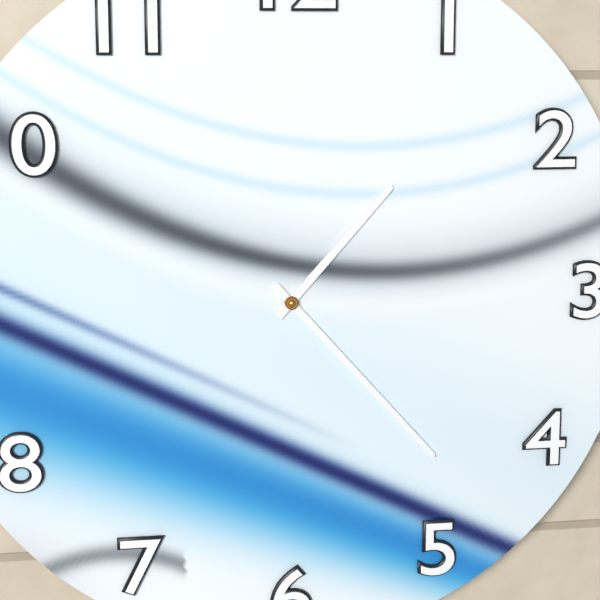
{"hour": 1, "minute": 23}
